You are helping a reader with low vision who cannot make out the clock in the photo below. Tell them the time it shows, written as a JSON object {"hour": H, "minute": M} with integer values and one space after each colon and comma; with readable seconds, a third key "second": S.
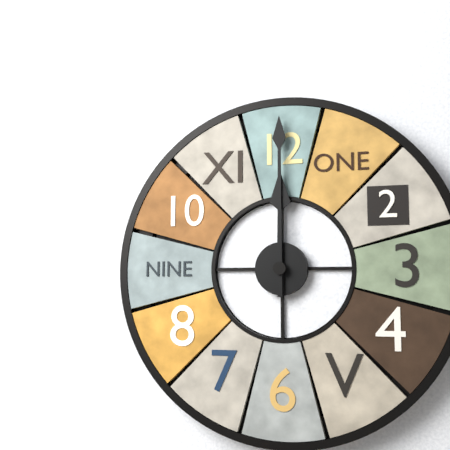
{"hour": 12, "minute": 0}
